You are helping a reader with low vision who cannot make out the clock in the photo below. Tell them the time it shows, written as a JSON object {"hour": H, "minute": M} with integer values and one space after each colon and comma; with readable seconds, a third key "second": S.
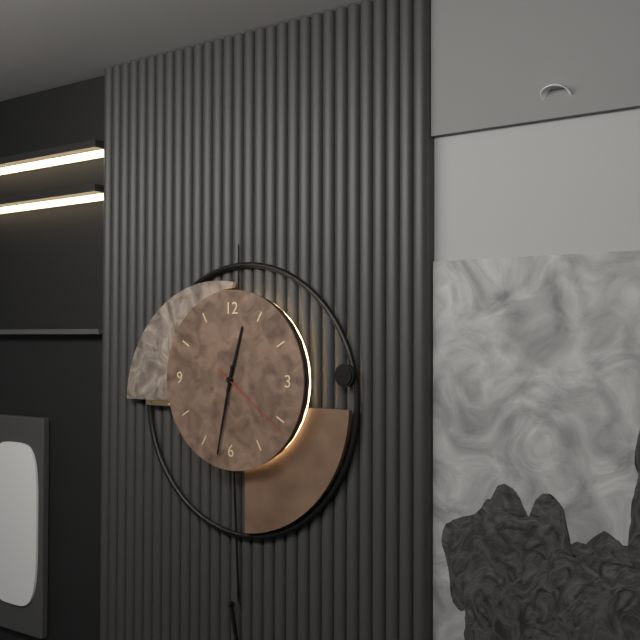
{"hour": 12, "minute": 32, "second": 21}
